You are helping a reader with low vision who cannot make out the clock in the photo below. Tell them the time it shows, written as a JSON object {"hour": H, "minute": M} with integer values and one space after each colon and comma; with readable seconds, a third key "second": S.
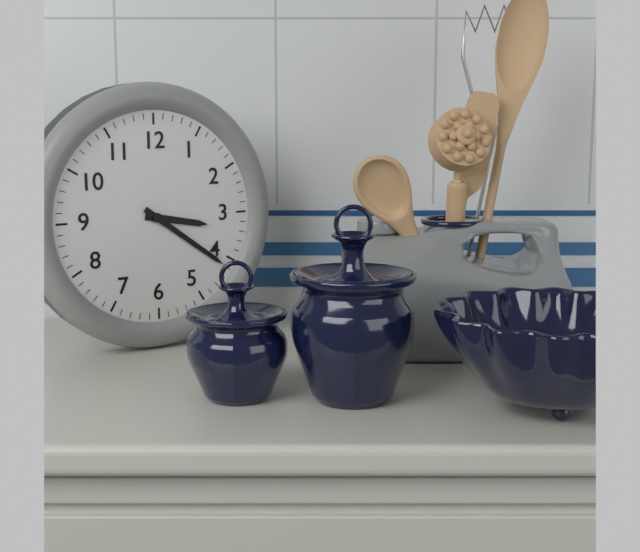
{"hour": 3, "minute": 21}
